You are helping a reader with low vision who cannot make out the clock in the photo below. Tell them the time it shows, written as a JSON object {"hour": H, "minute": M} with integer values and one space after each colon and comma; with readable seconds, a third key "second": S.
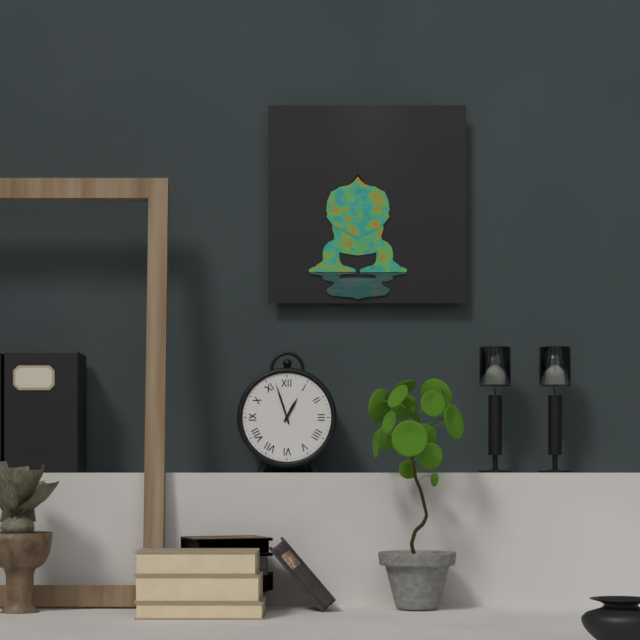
{"hour": 12, "minute": 57}
